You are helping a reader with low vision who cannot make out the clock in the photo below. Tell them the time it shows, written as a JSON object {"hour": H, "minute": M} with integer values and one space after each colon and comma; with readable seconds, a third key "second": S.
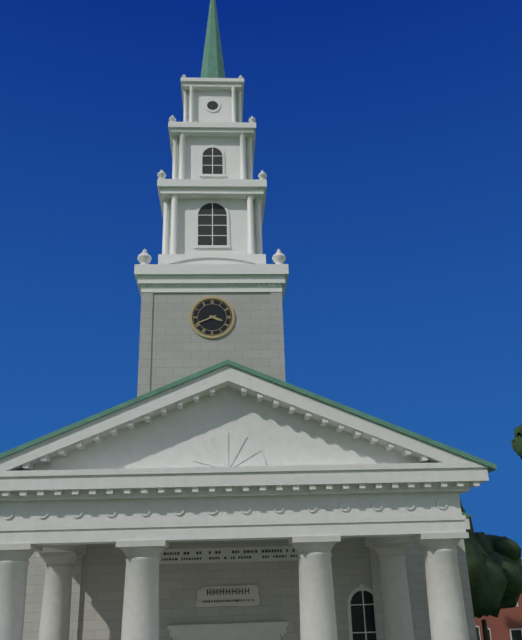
{"hour": 3, "minute": 41}
